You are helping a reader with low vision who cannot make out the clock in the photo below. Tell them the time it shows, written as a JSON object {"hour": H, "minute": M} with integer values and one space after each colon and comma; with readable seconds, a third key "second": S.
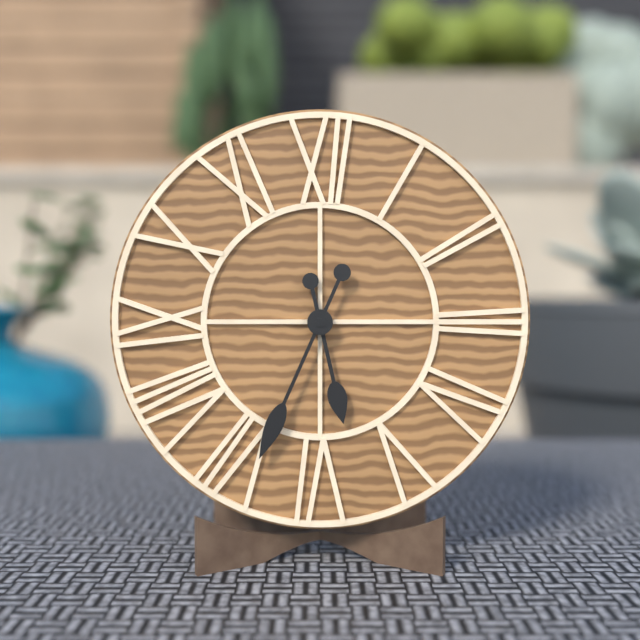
{"hour": 5, "minute": 34}
